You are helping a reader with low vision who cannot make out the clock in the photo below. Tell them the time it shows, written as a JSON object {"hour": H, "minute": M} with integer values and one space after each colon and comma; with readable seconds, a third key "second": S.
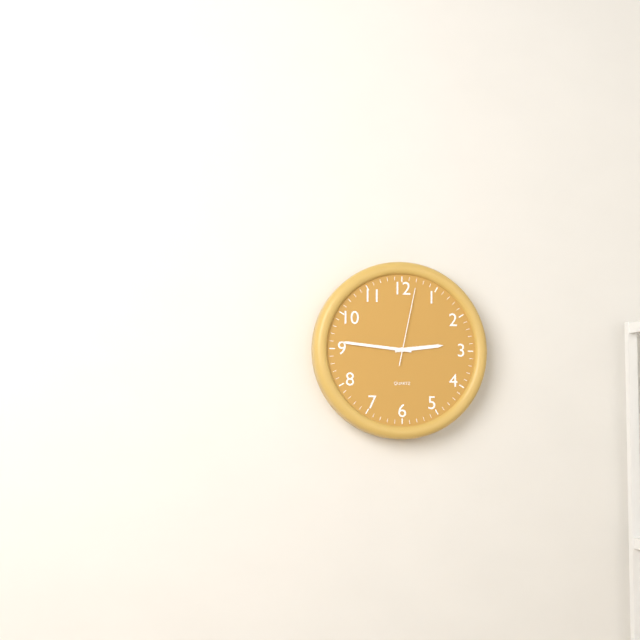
{"hour": 2, "minute": 46, "second": 2}
